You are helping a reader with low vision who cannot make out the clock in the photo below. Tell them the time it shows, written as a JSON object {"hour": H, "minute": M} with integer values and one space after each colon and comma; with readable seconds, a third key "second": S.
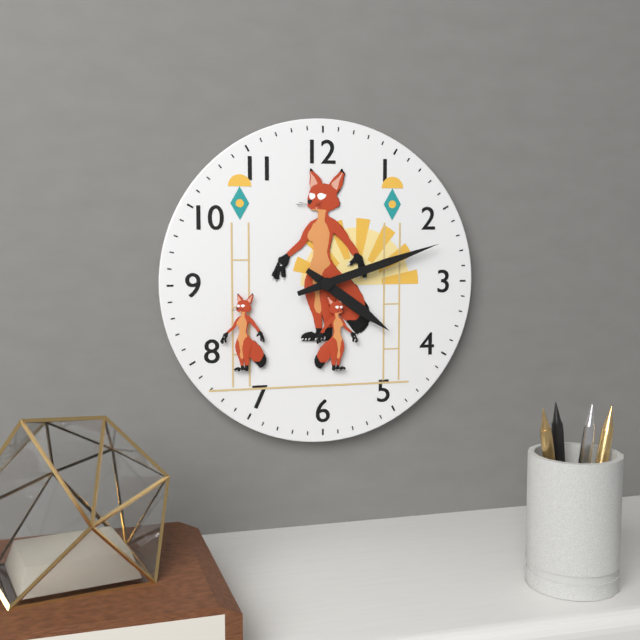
{"hour": 4, "minute": 12}
